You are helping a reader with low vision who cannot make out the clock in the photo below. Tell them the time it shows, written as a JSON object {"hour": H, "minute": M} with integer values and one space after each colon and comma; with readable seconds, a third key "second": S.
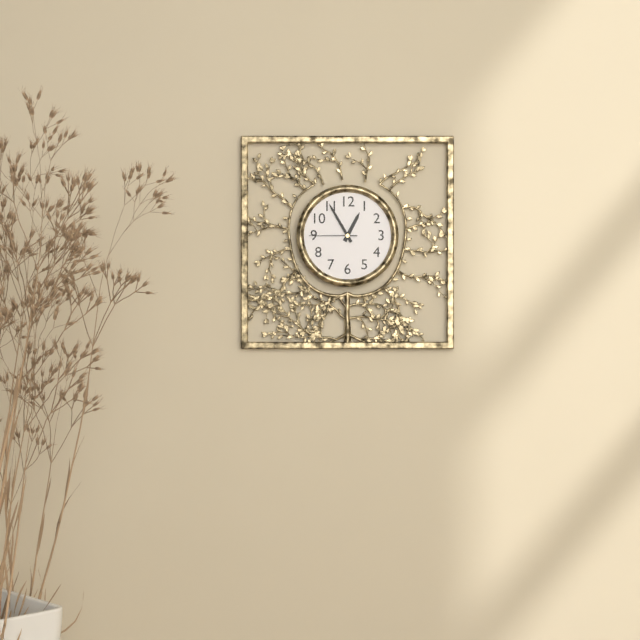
{"hour": 12, "minute": 55}
